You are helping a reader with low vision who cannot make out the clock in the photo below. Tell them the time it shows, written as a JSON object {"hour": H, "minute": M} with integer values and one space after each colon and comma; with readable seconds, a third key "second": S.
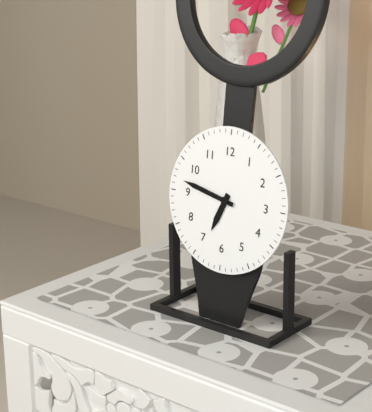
{"hour": 6, "minute": 47}
